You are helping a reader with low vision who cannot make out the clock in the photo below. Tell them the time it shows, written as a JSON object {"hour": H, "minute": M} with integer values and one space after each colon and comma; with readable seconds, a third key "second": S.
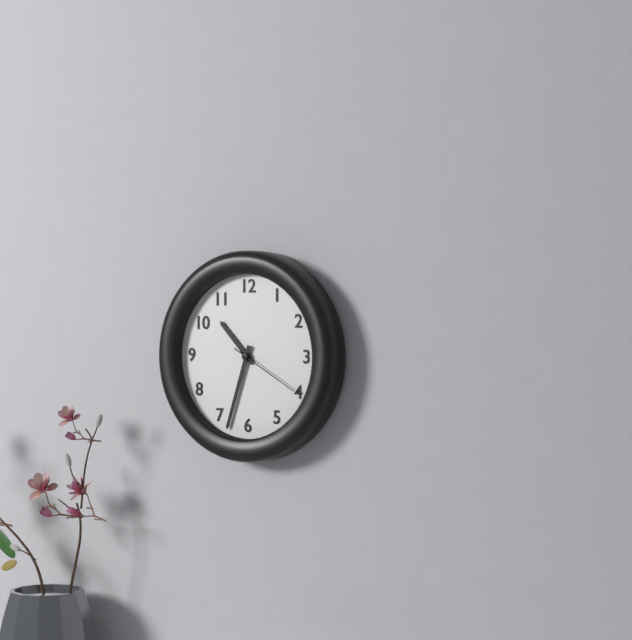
{"hour": 10, "minute": 33, "second": 20}
